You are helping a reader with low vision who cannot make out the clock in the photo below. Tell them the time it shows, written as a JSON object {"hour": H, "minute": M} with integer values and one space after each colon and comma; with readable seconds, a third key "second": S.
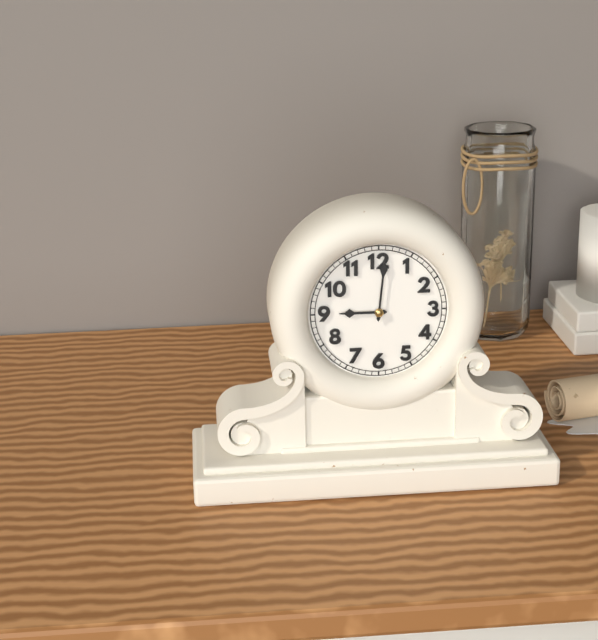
{"hour": 9, "minute": 1}
